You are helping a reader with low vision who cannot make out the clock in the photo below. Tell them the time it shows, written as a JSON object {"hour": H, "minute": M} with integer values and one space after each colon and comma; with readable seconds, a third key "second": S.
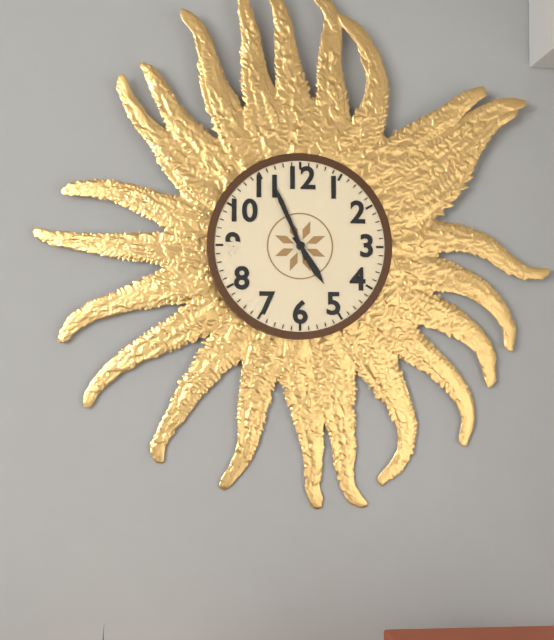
{"hour": 4, "minute": 56}
